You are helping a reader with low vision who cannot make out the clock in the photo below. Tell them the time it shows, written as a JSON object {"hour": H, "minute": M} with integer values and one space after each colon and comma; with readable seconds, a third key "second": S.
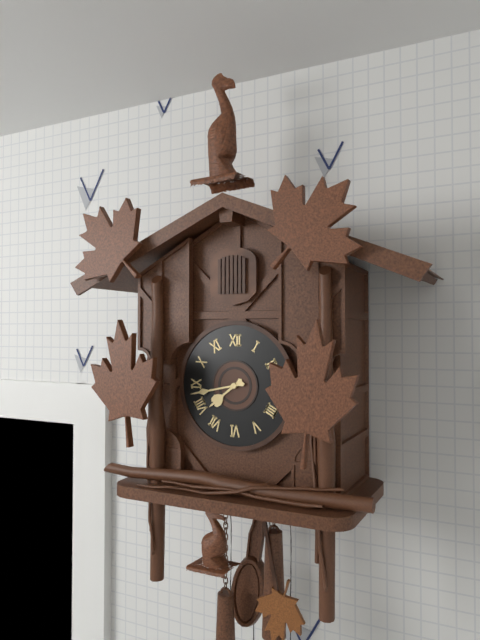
{"hour": 7, "minute": 43}
